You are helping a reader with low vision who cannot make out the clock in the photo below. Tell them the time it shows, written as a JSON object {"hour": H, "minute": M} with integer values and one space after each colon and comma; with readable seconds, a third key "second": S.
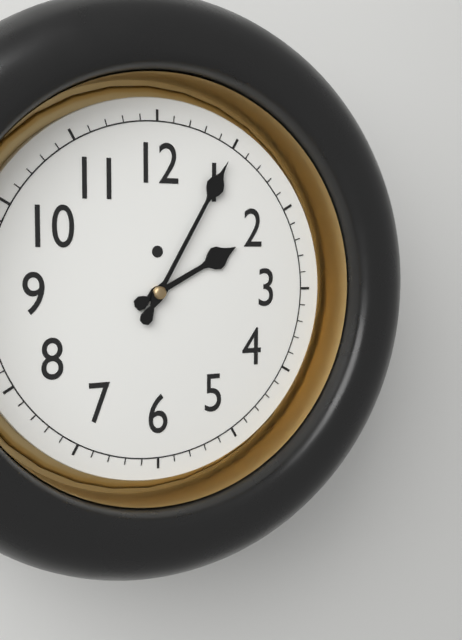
{"hour": 2, "minute": 5}
